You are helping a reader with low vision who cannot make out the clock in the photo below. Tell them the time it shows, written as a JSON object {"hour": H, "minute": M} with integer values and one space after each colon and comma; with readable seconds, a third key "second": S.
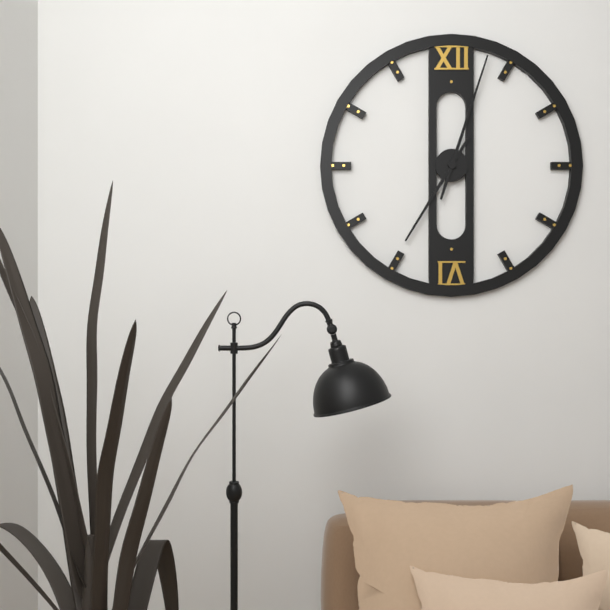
{"hour": 7, "minute": 3}
